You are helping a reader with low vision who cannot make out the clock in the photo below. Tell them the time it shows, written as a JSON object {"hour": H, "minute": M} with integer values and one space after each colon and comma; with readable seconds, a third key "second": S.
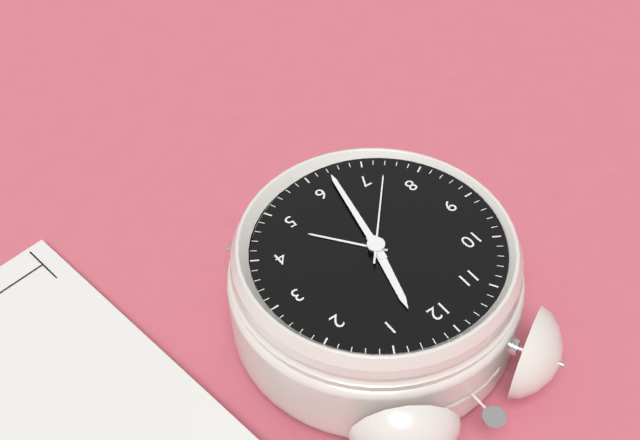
{"hour": 12, "minute": 32, "second": 37}
